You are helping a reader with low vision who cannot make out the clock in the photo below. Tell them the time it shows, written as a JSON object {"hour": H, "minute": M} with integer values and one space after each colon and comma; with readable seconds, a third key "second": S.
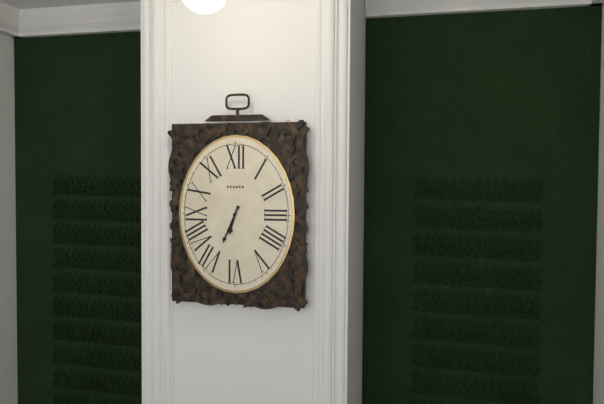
{"hour": 6, "minute": 34}
